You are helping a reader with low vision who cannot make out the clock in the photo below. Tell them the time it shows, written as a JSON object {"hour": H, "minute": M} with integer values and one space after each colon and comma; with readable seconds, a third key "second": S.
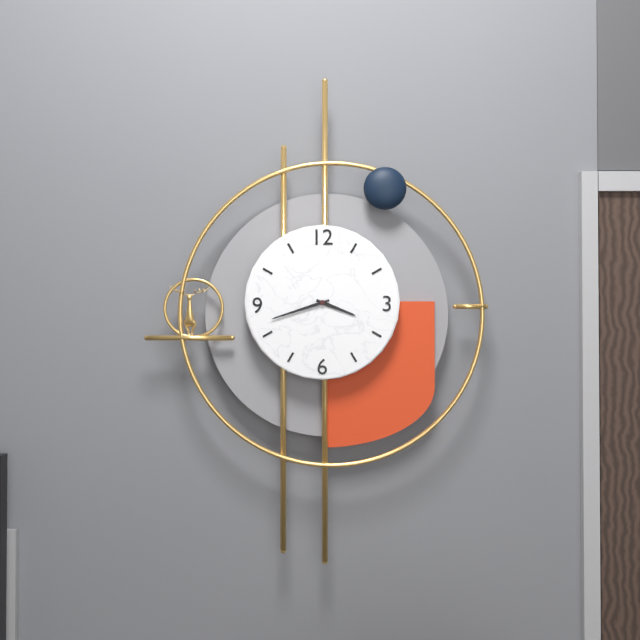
{"hour": 3, "minute": 42}
